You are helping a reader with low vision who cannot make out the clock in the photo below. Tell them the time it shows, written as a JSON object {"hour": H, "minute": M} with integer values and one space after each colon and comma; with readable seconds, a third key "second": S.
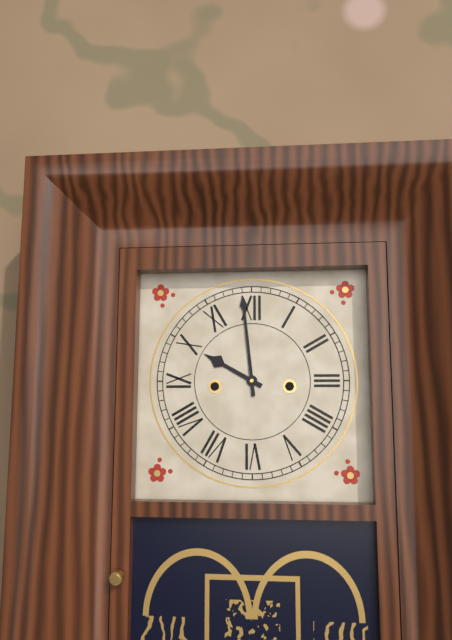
{"hour": 9, "minute": 59}
